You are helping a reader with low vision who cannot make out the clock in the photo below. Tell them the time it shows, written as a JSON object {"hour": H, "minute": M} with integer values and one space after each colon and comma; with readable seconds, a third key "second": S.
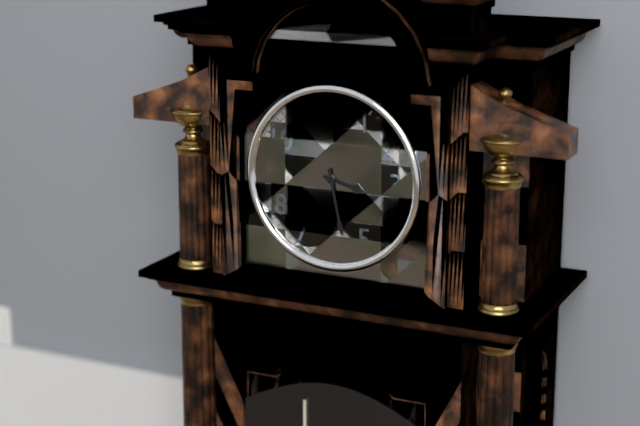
{"hour": 3, "minute": 28}
